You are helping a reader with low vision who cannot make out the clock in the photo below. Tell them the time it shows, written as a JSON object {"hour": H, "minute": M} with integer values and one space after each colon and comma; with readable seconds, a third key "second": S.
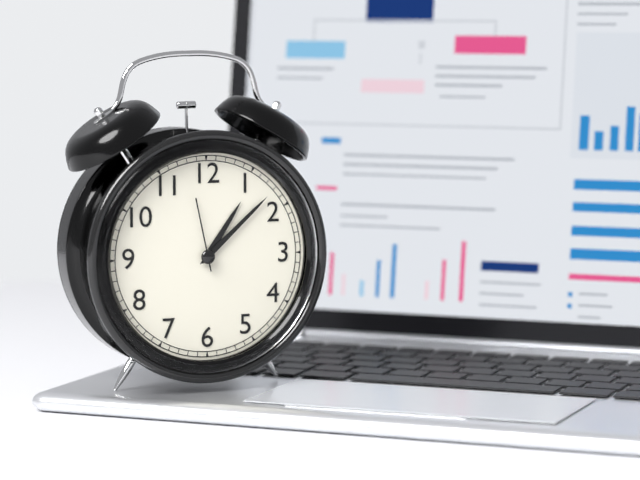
{"hour": 1, "minute": 8, "second": 58}
